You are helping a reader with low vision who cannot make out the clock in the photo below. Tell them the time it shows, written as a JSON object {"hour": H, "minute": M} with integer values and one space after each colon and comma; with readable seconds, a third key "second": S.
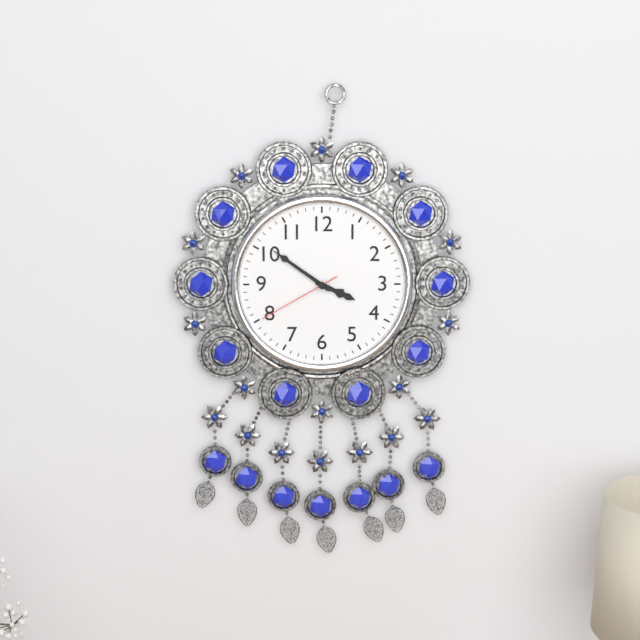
{"hour": 3, "minute": 51, "second": 40}
